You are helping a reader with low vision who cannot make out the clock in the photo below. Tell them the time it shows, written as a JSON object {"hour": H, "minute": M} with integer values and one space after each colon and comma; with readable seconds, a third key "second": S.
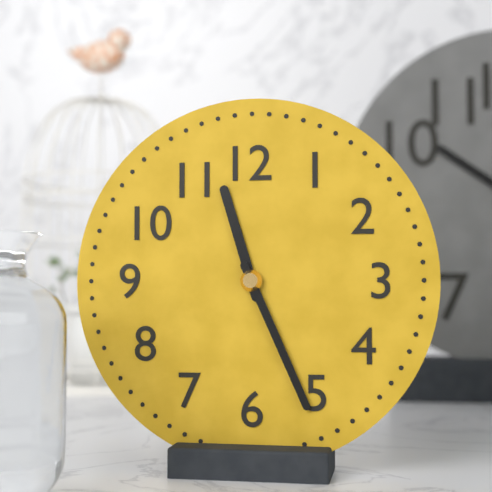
{"hour": 11, "minute": 26}
